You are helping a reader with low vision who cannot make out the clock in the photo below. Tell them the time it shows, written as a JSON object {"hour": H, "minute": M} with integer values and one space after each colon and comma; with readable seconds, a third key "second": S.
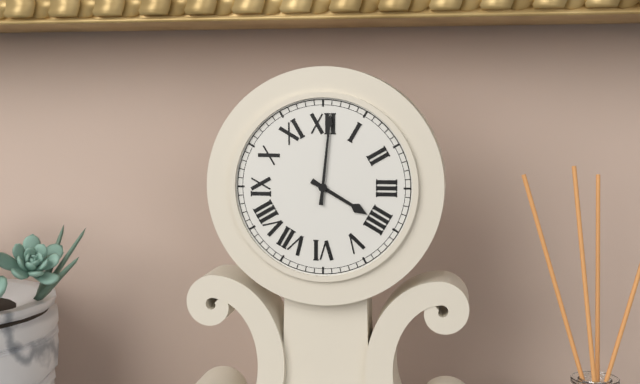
{"hour": 4, "minute": 1}
